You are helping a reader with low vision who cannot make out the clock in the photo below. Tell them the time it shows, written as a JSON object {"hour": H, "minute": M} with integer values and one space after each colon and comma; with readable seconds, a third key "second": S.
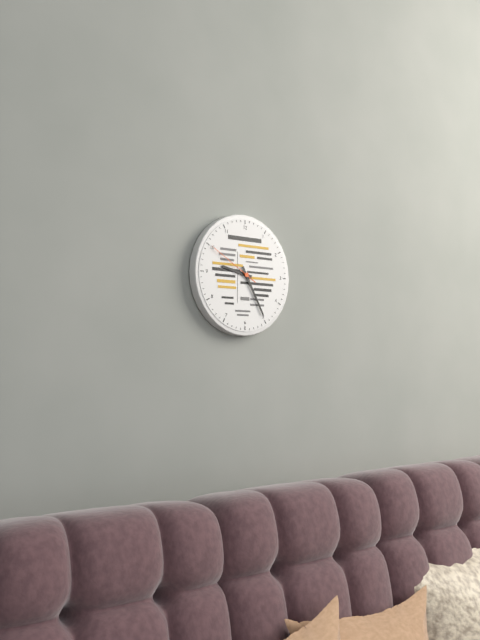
{"hour": 9, "minute": 25, "second": 50}
